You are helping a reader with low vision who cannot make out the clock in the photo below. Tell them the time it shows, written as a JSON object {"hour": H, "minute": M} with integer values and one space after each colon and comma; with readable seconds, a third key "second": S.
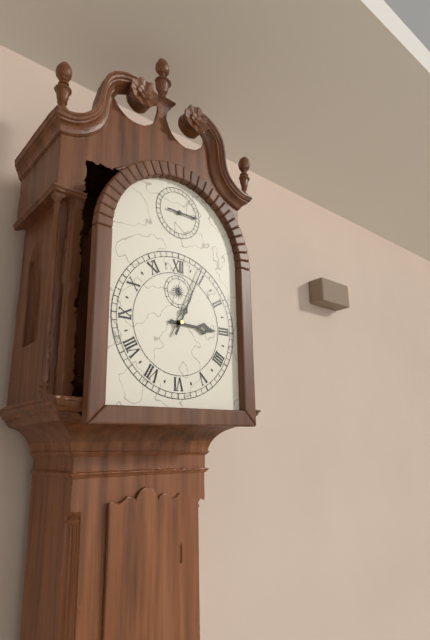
{"hour": 3, "minute": 4}
